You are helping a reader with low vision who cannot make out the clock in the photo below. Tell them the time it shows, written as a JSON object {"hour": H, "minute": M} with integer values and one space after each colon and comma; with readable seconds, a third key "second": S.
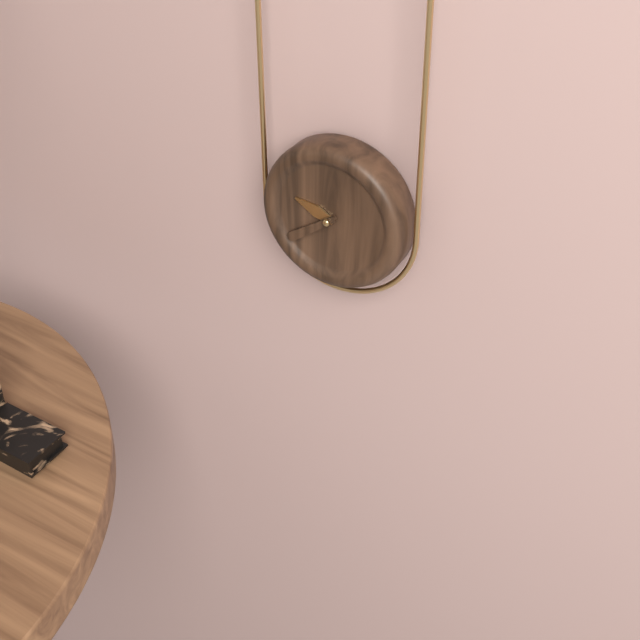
{"hour": 9, "minute": 39}
